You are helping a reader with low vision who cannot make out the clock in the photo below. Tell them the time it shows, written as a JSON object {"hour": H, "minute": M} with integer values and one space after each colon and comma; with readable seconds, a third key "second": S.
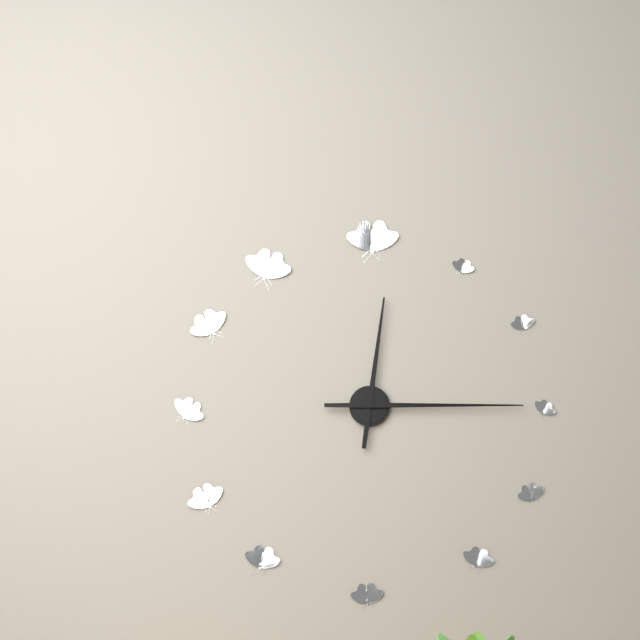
{"hour": 12, "minute": 15}
